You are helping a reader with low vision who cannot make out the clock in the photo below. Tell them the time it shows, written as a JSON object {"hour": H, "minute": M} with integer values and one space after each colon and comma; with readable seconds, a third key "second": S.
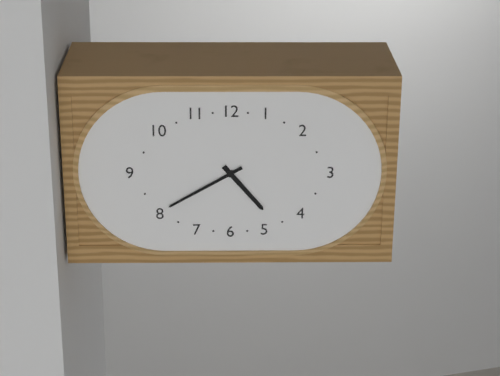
{"hour": 4, "minute": 40}
